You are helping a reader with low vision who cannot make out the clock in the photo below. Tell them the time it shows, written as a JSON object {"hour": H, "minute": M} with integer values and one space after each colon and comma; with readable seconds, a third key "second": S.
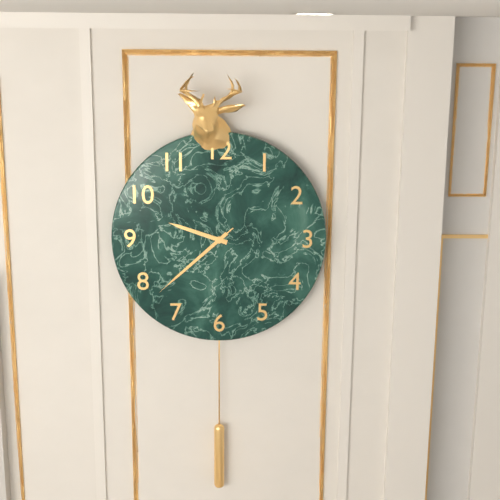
{"hour": 9, "minute": 38, "second": 38}
